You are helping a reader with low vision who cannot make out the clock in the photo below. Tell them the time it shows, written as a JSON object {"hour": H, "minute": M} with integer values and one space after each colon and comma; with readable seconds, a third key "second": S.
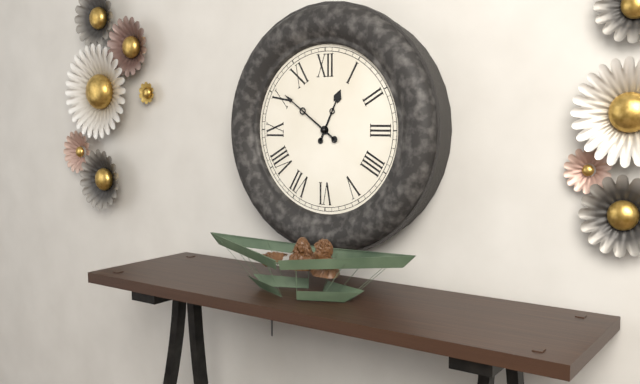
{"hour": 12, "minute": 51}
